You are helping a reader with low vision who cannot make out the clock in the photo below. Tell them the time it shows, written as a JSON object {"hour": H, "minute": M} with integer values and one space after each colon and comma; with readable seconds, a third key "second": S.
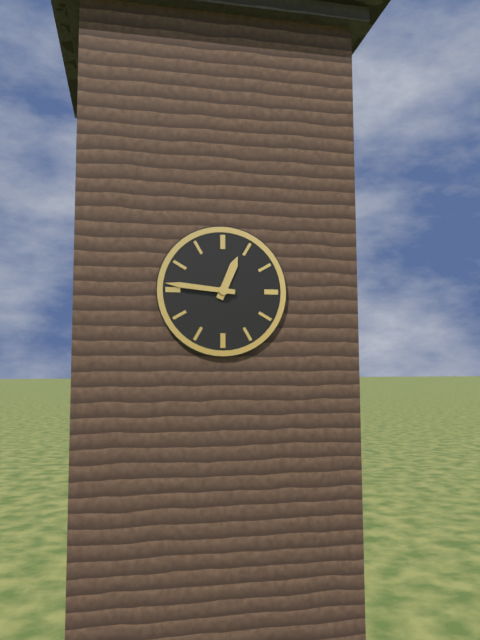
{"hour": 12, "minute": 46}
